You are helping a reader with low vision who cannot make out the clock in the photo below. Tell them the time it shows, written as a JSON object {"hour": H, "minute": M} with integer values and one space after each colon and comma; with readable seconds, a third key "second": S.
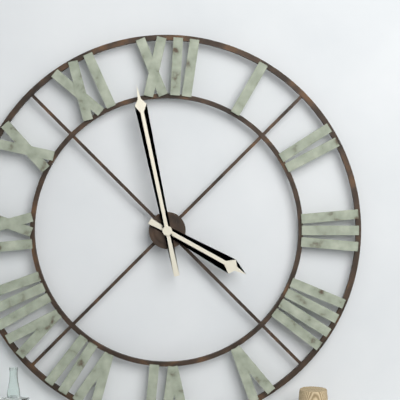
{"hour": 3, "minute": 58}
